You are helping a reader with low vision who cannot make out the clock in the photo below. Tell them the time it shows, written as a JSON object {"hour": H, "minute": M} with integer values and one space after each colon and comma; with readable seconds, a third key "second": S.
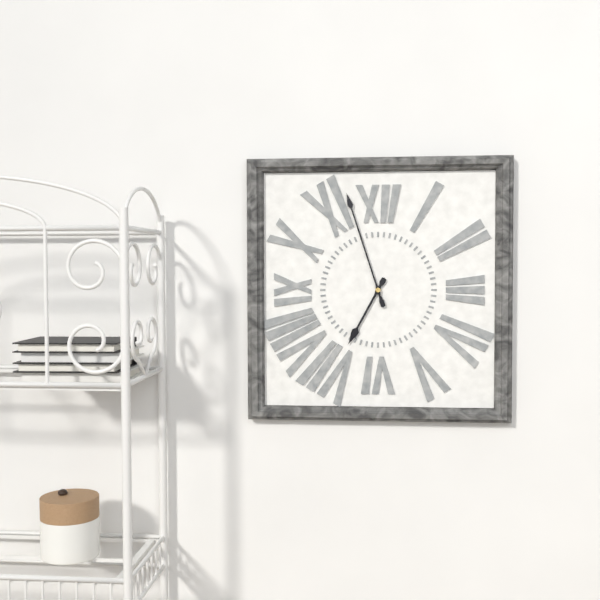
{"hour": 6, "minute": 57}
